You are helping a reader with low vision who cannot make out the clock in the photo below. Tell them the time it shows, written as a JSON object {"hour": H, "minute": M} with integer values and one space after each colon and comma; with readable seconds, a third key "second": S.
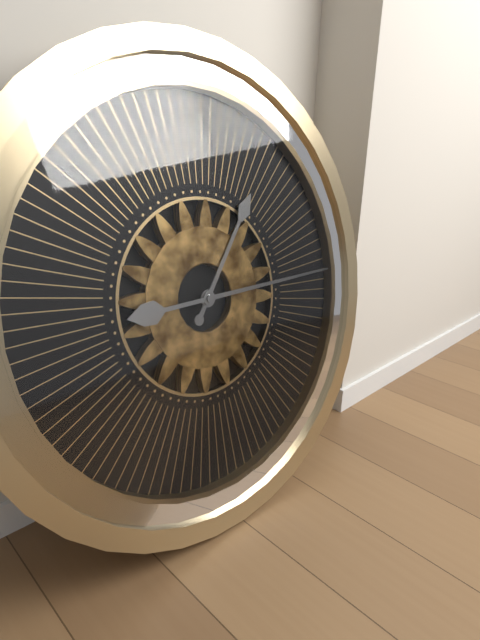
{"hour": 1, "minute": 15}
